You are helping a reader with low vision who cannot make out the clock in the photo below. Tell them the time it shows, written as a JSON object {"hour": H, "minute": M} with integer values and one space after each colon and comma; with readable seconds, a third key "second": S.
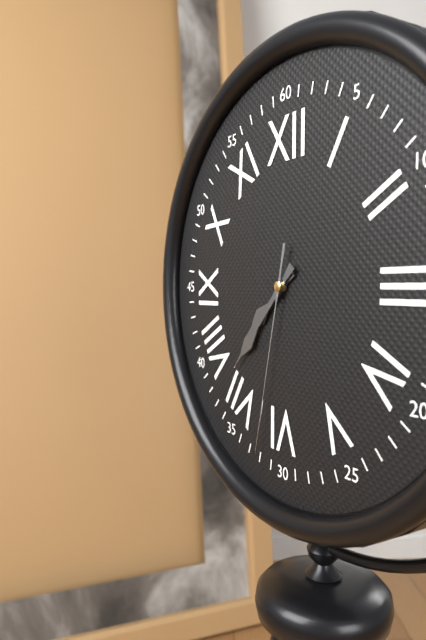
{"hour": 7, "minute": 37, "second": 32}
